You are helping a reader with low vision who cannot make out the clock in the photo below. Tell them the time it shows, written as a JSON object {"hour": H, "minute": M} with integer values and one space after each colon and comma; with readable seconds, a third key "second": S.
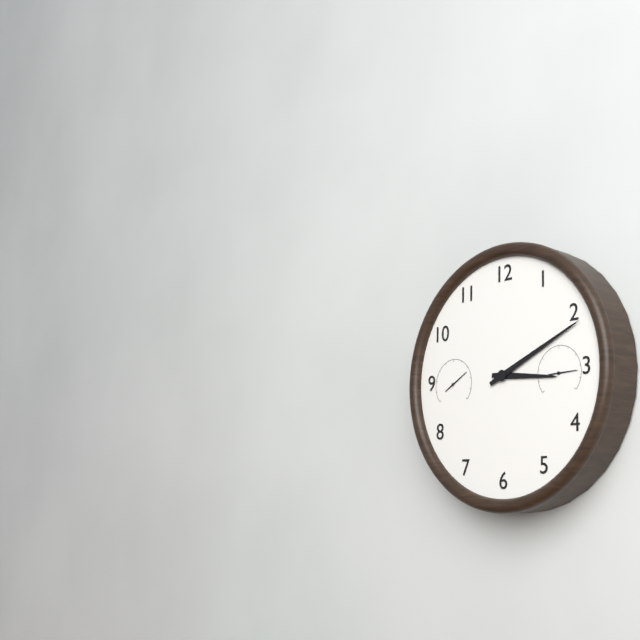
{"hour": 3, "minute": 11}
